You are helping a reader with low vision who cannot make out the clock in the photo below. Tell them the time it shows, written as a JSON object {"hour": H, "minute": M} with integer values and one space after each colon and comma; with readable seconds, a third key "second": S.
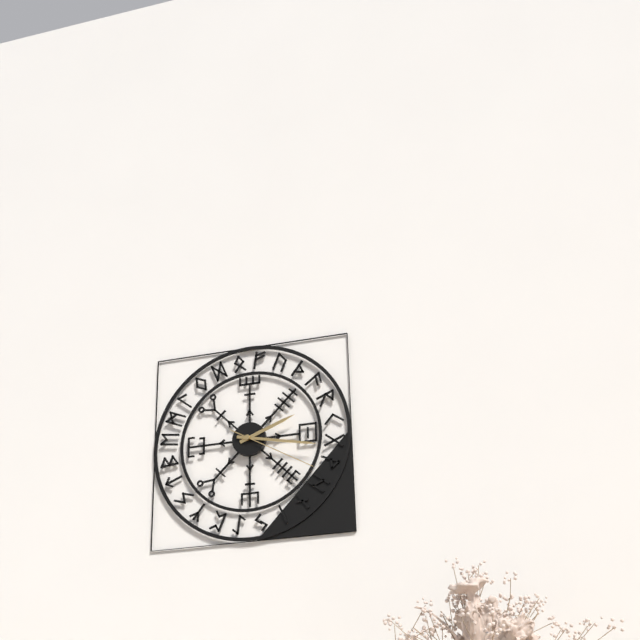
{"hour": 2, "minute": 17, "second": 20}
